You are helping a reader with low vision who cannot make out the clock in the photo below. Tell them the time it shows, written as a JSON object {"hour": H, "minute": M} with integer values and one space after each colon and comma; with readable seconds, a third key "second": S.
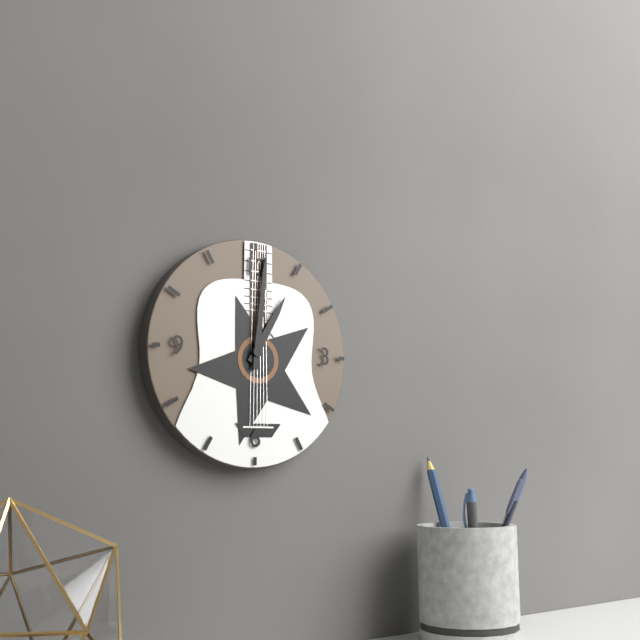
{"hour": 1, "minute": 1}
